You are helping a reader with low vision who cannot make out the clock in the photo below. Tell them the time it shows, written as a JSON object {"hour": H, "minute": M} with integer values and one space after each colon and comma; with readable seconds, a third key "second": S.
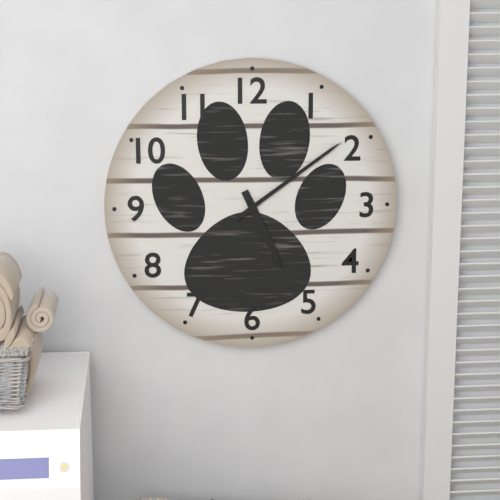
{"hour": 5, "minute": 9}
